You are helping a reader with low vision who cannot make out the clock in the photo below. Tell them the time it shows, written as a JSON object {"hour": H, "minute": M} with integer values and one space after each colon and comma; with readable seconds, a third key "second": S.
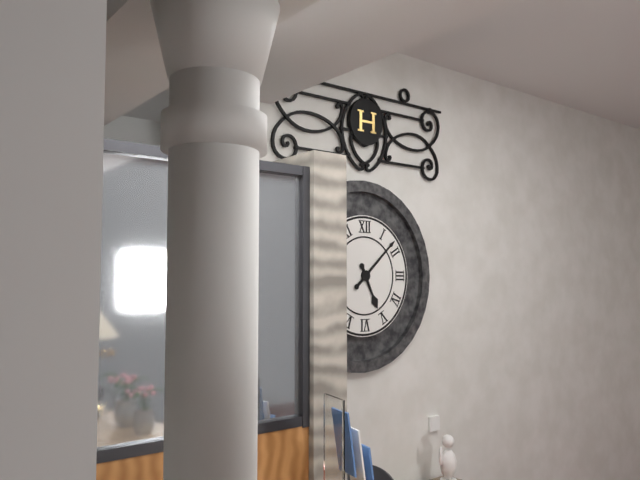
{"hour": 5, "minute": 8}
